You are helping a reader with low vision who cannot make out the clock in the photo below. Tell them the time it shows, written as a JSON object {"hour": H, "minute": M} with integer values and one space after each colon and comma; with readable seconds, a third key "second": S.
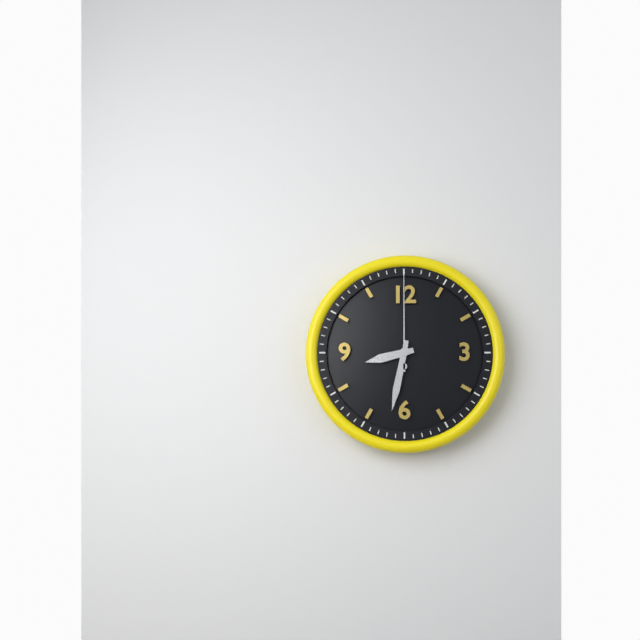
{"hour": 8, "minute": 32, "second": 0}
